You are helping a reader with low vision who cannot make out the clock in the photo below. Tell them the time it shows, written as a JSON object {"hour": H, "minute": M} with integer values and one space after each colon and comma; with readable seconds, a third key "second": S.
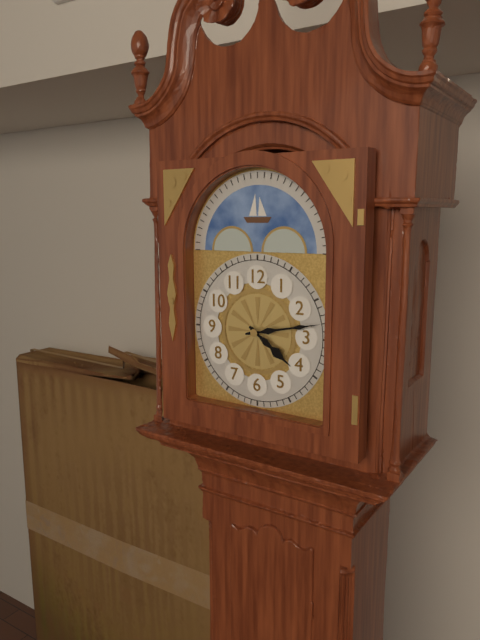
{"hour": 4, "minute": 13}
